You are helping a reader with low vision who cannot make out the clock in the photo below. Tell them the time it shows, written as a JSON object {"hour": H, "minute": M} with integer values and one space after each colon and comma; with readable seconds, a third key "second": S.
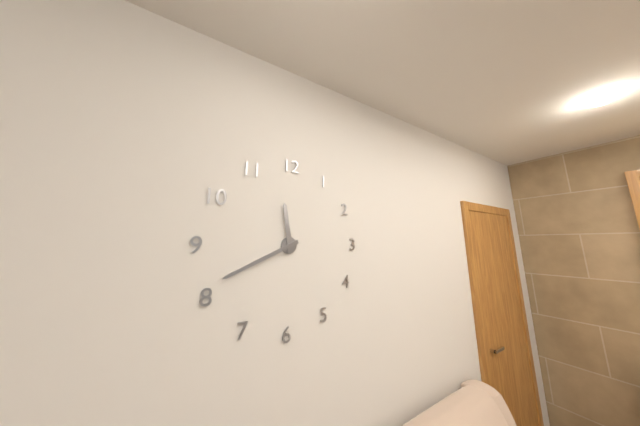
{"hour": 11, "minute": 41}
